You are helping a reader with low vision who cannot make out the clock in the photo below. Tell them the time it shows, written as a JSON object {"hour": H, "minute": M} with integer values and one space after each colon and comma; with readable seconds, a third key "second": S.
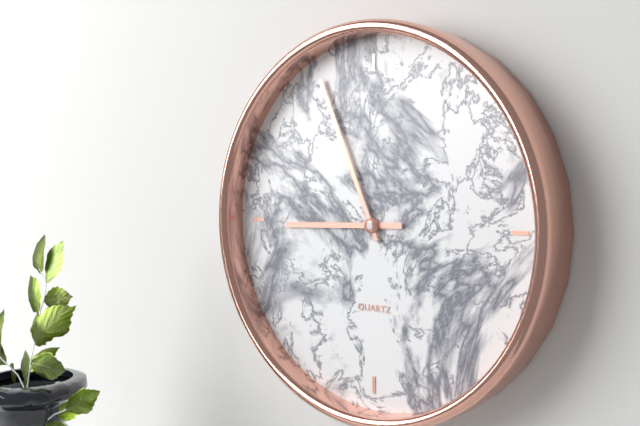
{"hour": 8, "minute": 56}
